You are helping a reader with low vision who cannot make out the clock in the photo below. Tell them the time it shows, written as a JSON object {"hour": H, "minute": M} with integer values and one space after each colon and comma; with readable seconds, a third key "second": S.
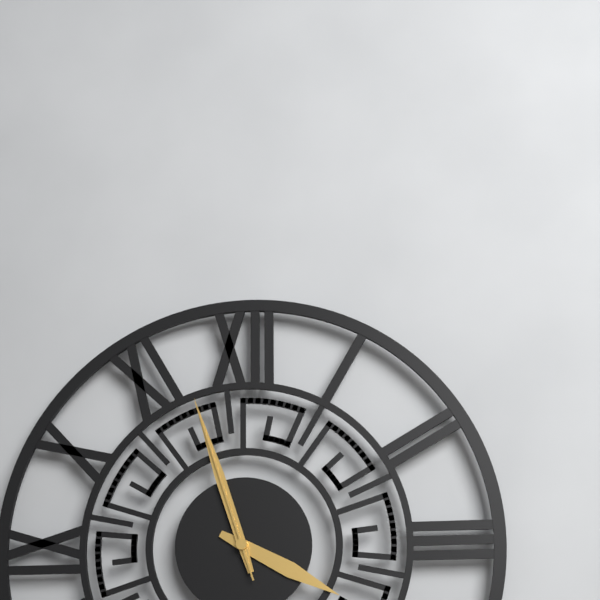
{"hour": 3, "minute": 57, "second": 57}
